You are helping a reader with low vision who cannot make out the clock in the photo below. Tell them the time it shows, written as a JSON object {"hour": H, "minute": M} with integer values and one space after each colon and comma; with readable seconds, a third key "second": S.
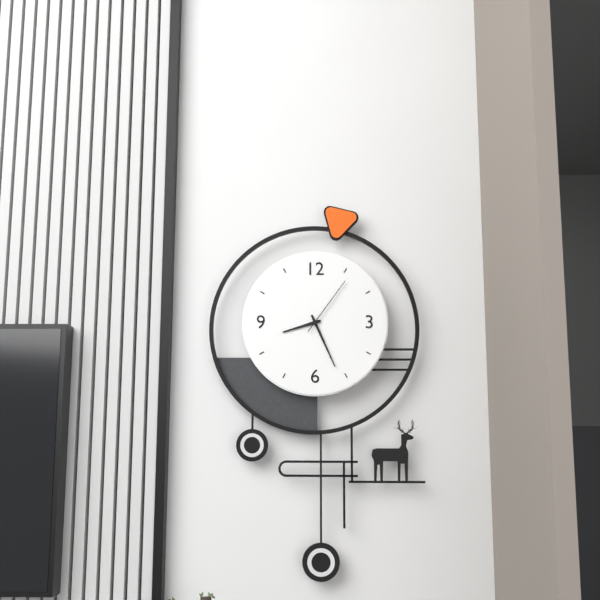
{"hour": 8, "minute": 26, "second": 6}
